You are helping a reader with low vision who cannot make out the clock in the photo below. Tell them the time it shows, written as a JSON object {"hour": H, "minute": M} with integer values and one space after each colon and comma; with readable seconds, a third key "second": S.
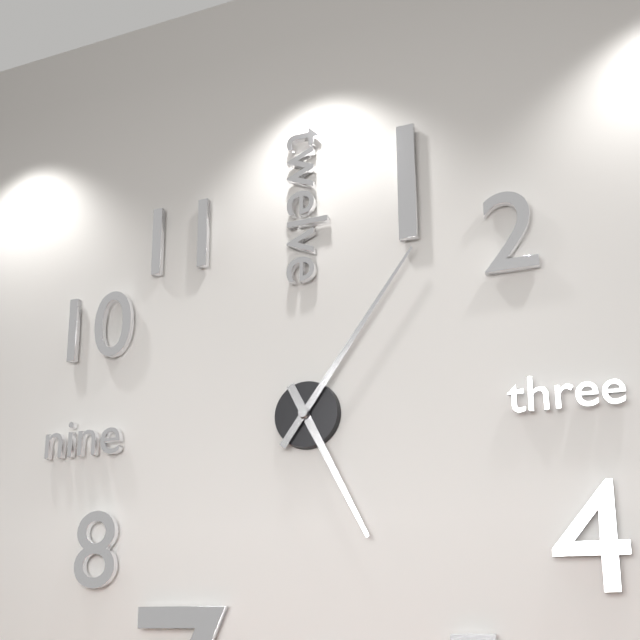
{"hour": 5, "minute": 6}
